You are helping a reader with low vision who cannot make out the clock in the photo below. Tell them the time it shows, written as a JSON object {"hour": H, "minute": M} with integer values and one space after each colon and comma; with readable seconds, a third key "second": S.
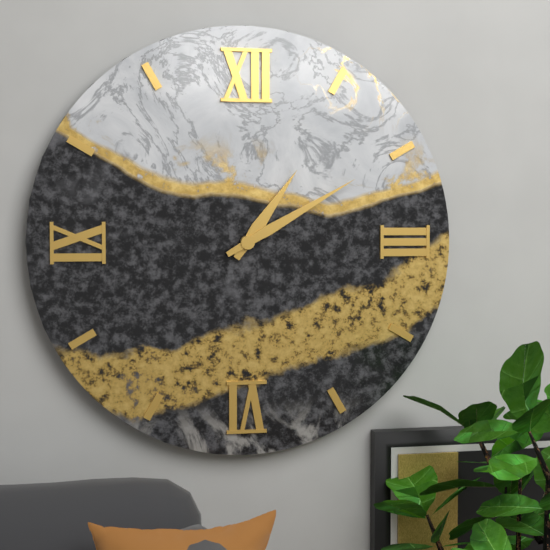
{"hour": 1, "minute": 10}
